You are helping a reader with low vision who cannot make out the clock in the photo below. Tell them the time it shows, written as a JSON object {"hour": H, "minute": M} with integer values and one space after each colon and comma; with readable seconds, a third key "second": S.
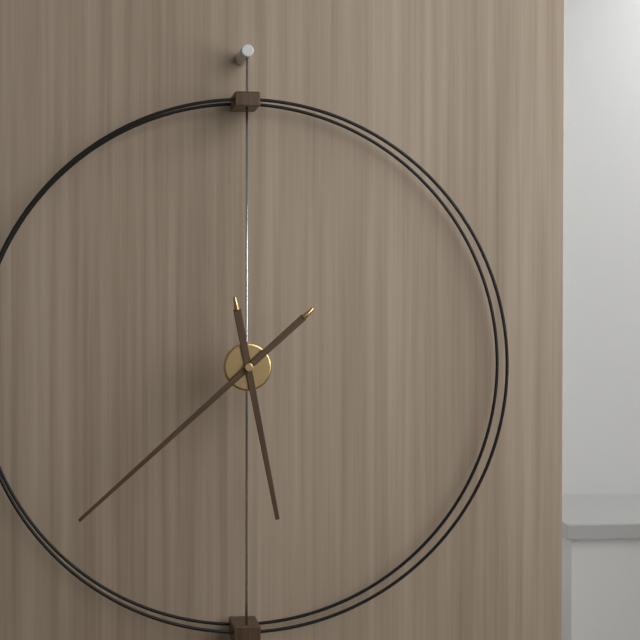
{"hour": 5, "minute": 38}
